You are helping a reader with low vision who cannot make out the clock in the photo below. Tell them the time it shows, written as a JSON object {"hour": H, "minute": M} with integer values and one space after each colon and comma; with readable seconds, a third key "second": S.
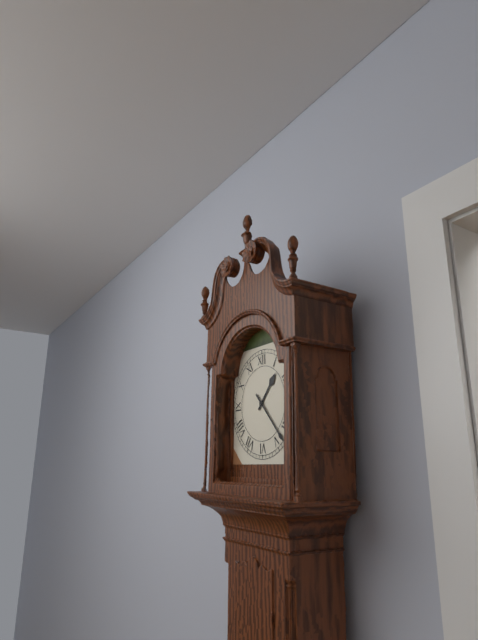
{"hour": 1, "minute": 23}
